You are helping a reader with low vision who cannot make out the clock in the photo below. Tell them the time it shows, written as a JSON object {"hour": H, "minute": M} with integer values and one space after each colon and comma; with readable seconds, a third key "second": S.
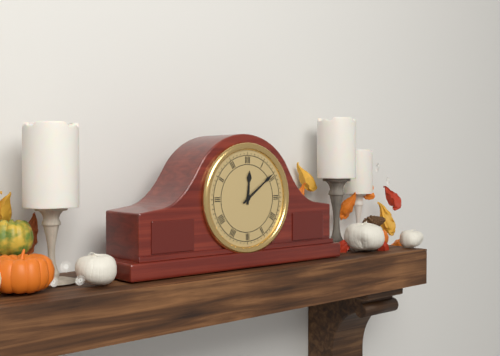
{"hour": 12, "minute": 9}
